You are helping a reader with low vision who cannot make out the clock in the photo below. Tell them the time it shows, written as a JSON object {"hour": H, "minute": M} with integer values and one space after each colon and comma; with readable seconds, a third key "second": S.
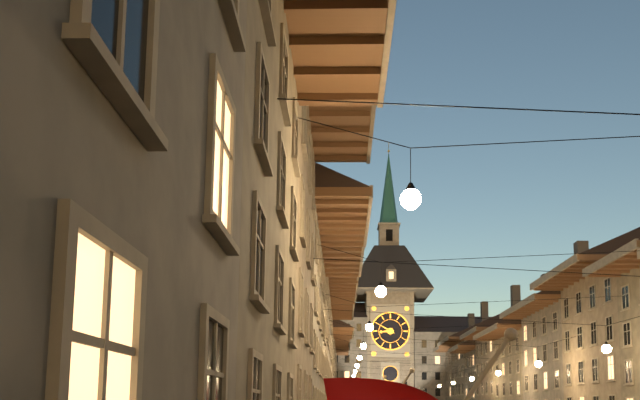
{"hour": 8, "minute": 50}
